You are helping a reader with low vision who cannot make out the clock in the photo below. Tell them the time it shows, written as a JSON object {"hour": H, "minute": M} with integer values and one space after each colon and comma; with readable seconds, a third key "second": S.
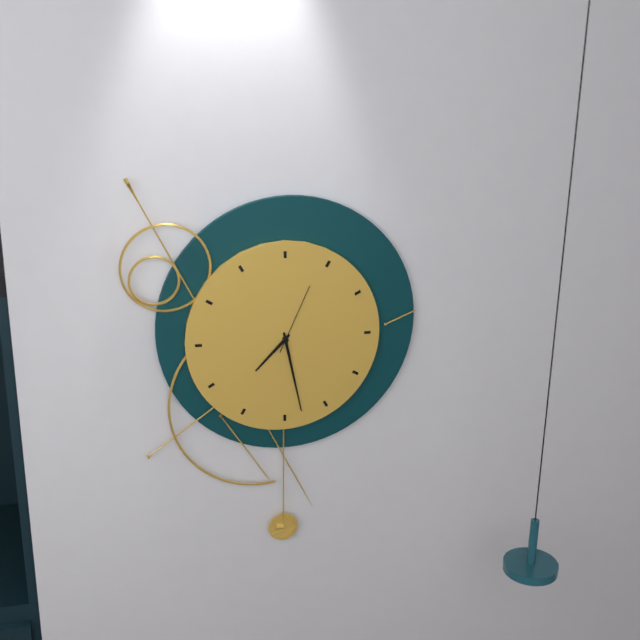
{"hour": 7, "minute": 28, "second": 4}
